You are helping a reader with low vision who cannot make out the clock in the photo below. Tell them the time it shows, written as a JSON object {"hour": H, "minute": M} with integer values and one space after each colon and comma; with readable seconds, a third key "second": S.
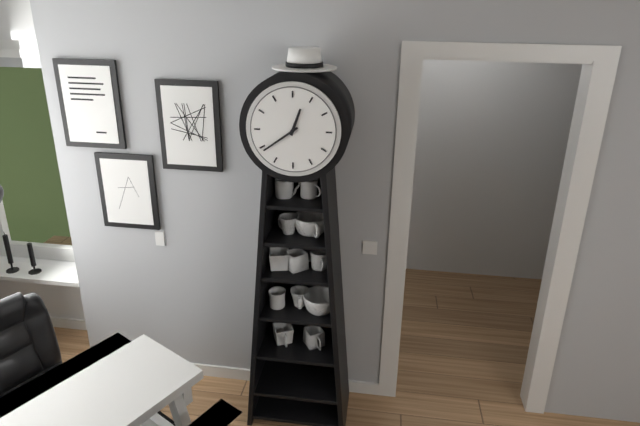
{"hour": 12, "minute": 39}
